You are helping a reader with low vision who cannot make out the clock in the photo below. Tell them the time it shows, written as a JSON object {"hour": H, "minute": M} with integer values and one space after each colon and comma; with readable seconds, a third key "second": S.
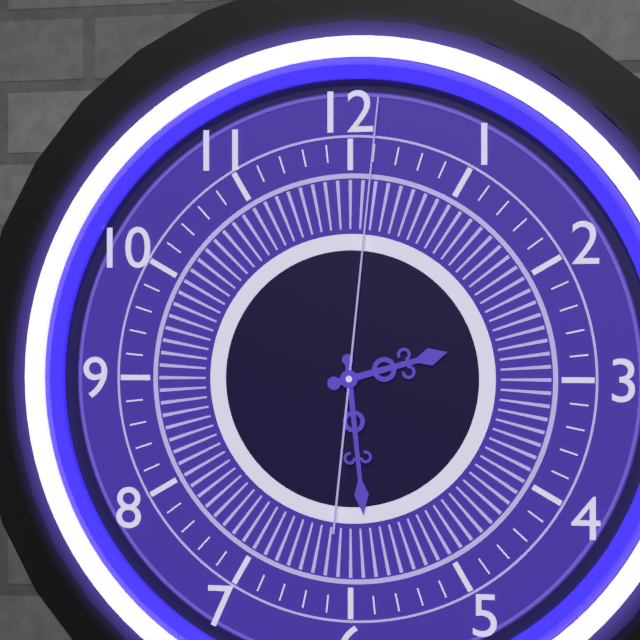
{"hour": 2, "minute": 29, "second": 1}
